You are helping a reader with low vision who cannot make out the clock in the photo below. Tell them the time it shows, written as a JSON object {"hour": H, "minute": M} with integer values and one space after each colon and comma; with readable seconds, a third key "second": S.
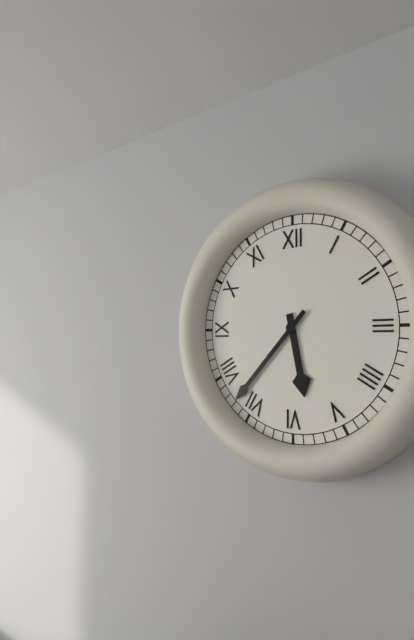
{"hour": 5, "minute": 37}
